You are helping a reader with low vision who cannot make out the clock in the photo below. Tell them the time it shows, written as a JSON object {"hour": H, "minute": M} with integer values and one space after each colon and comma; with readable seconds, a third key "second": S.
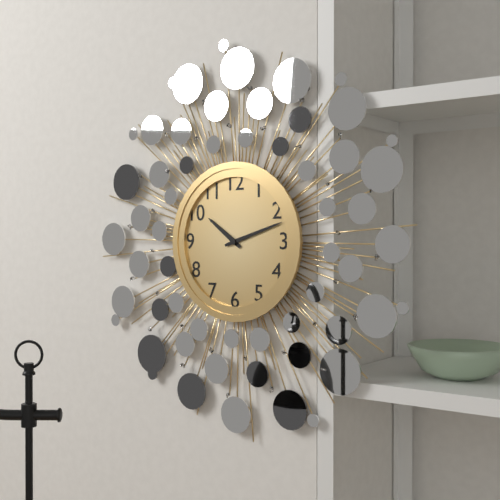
{"hour": 10, "minute": 12}
